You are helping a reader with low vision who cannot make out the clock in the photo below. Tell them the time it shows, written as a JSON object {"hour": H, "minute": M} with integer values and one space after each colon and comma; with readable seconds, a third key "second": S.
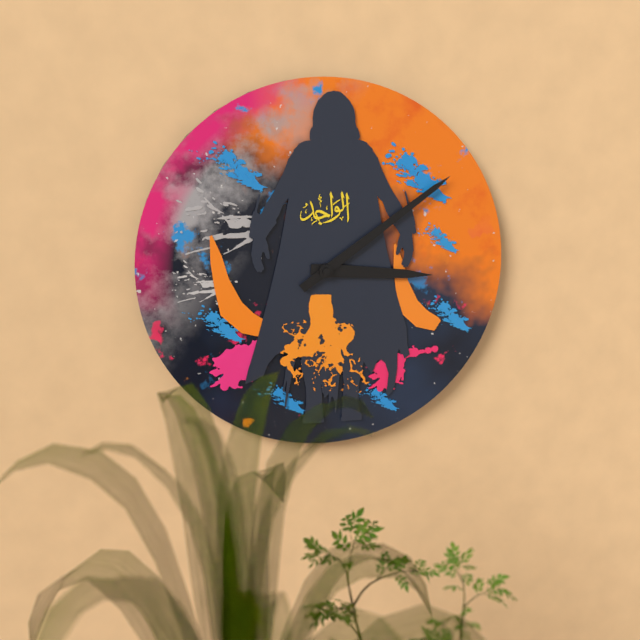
{"hour": 3, "minute": 9}
